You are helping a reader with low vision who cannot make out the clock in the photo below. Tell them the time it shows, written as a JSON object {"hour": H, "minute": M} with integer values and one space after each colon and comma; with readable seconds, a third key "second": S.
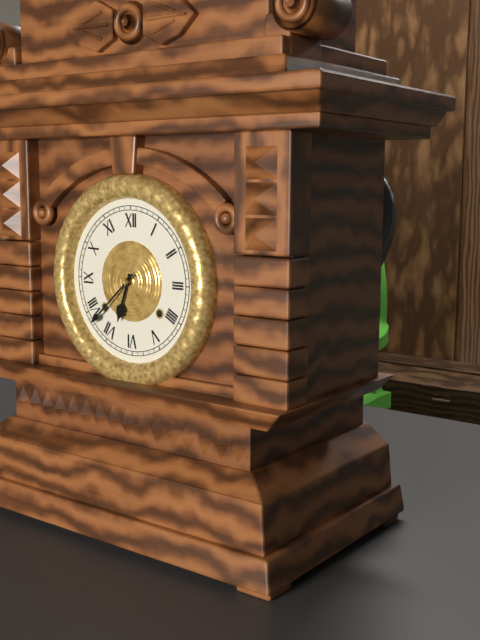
{"hour": 6, "minute": 38}
